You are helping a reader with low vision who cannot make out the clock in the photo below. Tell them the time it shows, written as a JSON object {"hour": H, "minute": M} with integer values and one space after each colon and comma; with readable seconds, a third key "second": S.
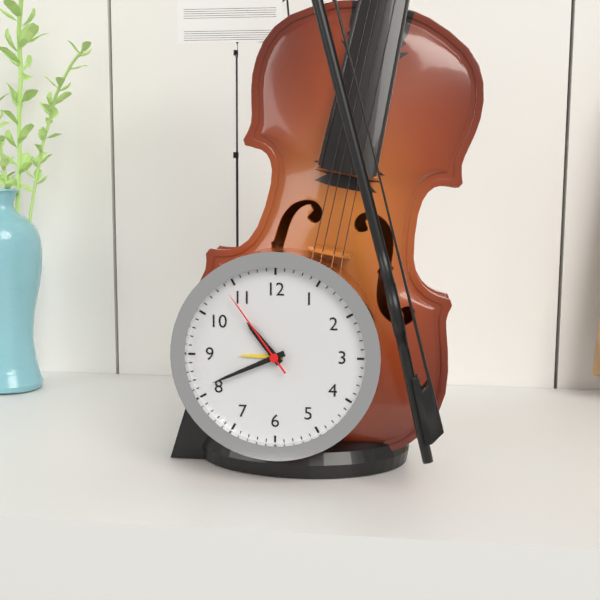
{"hour": 10, "minute": 41, "second": 54}
